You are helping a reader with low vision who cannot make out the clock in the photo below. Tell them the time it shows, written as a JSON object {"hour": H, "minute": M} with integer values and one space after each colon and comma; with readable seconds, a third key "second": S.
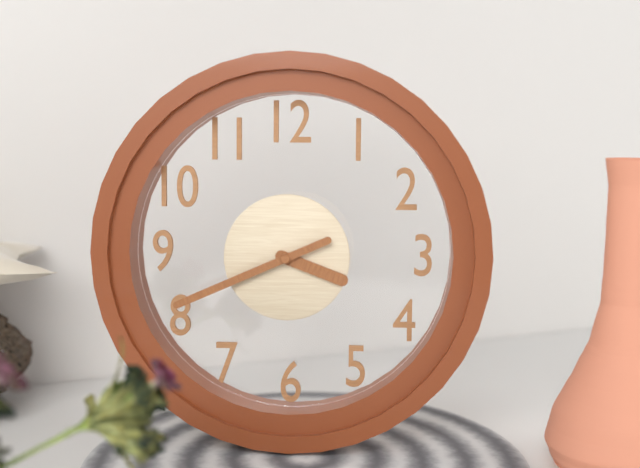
{"hour": 3, "minute": 41}
